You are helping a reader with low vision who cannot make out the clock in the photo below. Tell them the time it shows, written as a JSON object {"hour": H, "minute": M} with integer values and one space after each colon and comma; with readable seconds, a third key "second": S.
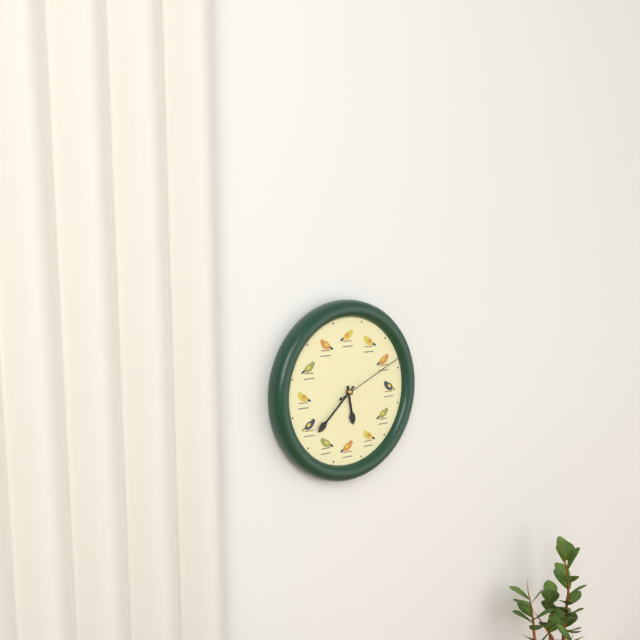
{"hour": 5, "minute": 38, "second": 11}
